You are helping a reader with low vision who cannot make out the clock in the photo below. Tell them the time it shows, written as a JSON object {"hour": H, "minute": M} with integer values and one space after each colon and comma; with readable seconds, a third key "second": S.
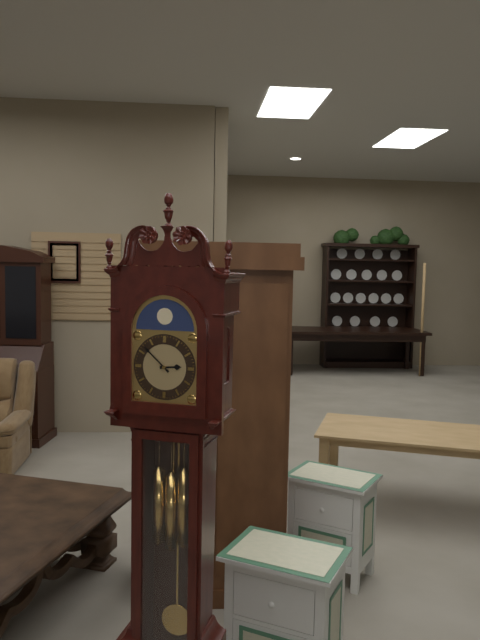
{"hour": 2, "minute": 52}
